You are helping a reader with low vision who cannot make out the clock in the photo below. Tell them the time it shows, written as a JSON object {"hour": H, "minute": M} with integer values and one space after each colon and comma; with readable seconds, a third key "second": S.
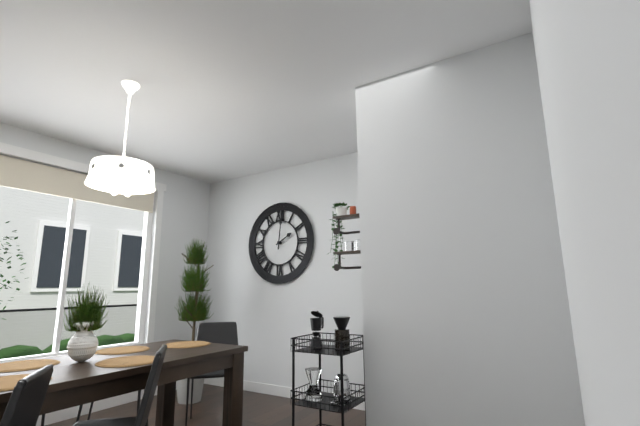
{"hour": 2, "minute": 1}
